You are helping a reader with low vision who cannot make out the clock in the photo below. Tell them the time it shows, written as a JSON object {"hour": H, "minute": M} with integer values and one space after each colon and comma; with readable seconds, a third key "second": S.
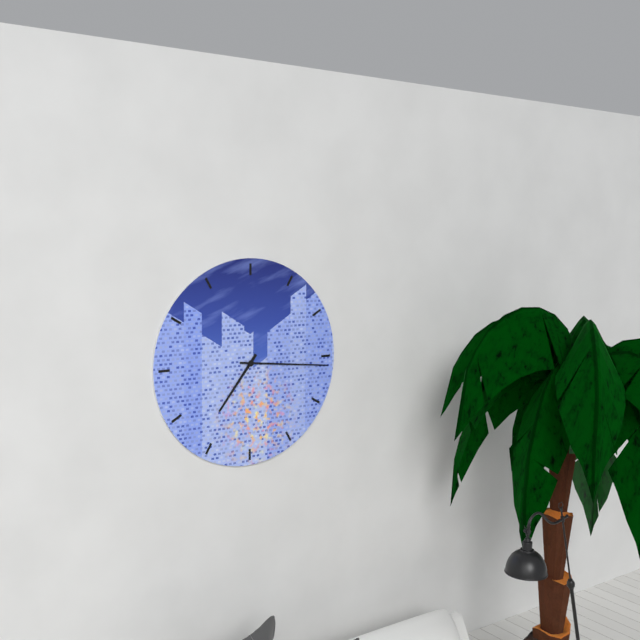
{"hour": 7, "minute": 16}
